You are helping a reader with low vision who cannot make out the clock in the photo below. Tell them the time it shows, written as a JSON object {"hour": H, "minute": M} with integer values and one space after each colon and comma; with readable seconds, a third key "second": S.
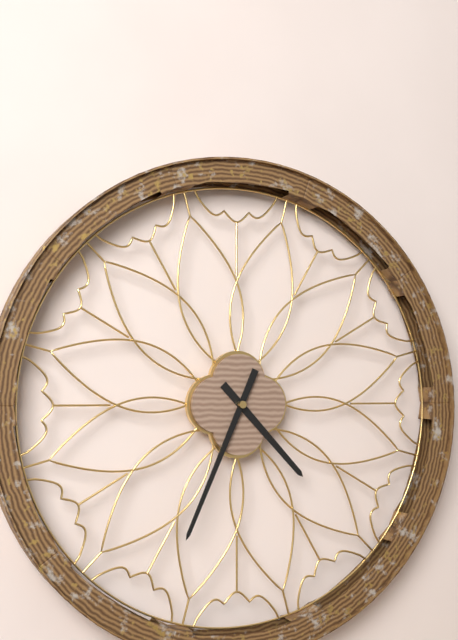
{"hour": 4, "minute": 34}
